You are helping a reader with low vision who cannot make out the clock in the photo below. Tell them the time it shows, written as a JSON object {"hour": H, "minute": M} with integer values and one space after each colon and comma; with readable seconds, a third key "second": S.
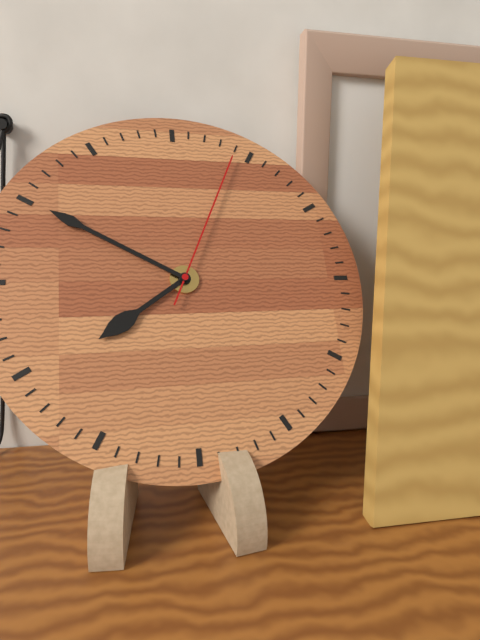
{"hour": 7, "minute": 50, "second": 4}
